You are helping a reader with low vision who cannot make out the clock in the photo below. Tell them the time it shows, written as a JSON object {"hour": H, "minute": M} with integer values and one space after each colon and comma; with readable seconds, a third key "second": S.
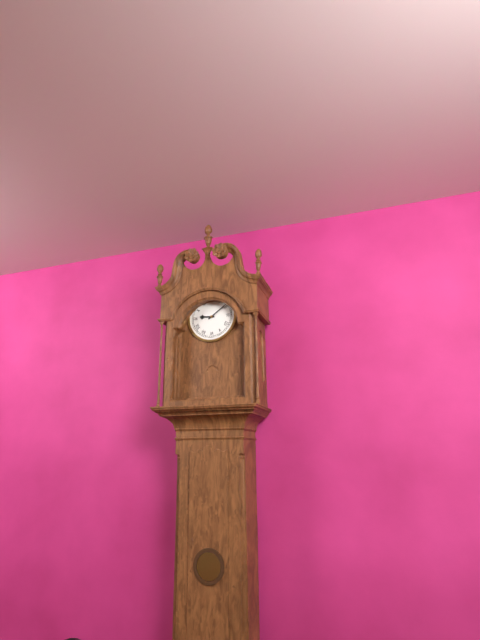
{"hour": 9, "minute": 9}
